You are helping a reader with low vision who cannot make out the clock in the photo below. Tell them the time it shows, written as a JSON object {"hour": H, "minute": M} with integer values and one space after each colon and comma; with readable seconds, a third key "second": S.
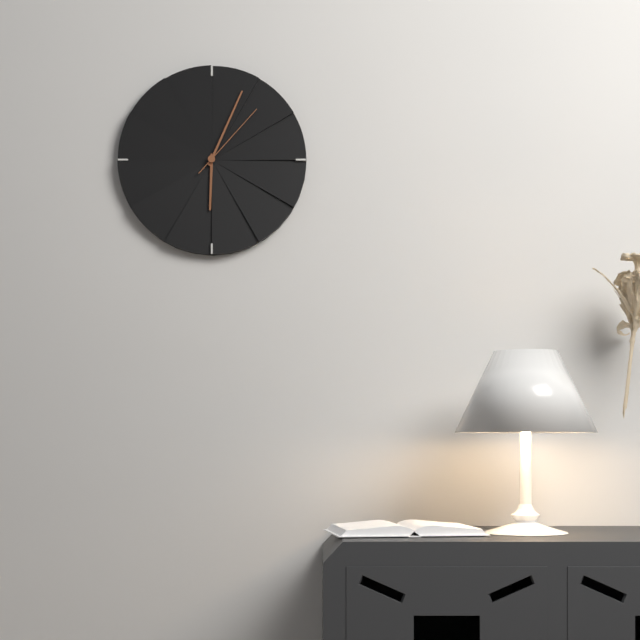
{"hour": 6, "minute": 4, "second": 7}
